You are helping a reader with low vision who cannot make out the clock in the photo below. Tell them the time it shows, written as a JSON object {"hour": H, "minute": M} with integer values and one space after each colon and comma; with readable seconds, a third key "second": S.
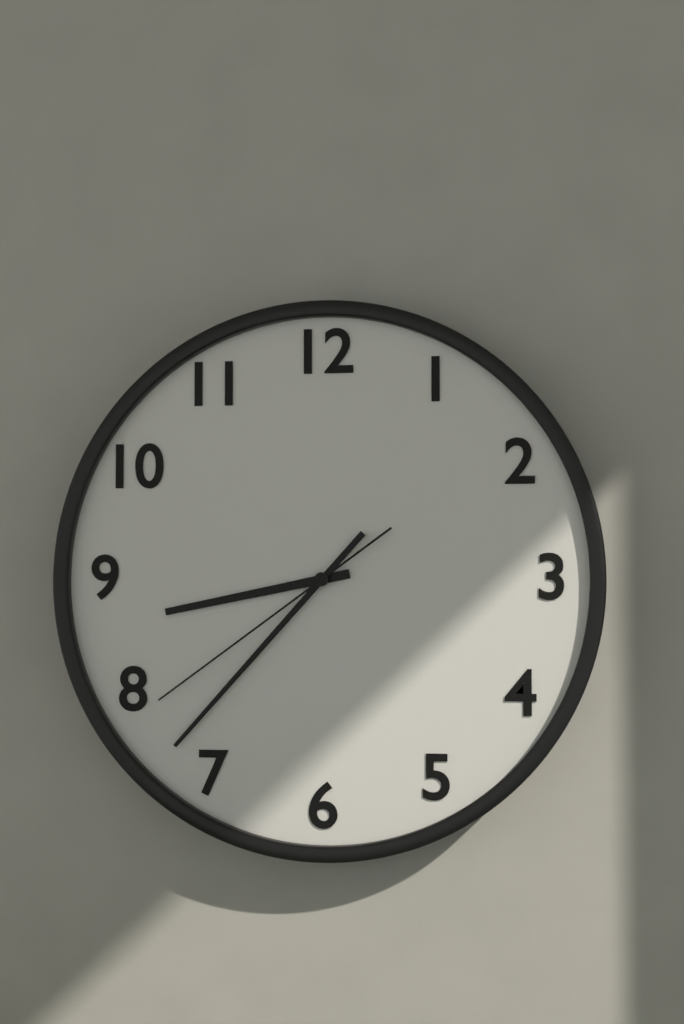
{"hour": 8, "minute": 37, "second": 39}
